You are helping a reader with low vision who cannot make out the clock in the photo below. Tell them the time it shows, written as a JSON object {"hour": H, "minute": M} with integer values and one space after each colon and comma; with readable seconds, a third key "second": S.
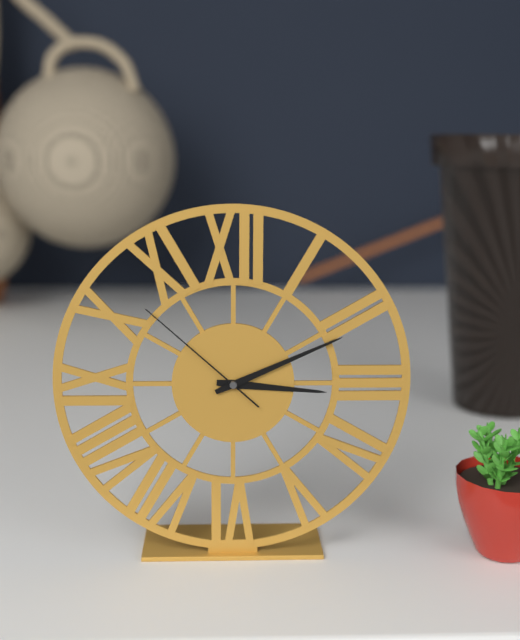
{"hour": 3, "minute": 11, "second": 52}
